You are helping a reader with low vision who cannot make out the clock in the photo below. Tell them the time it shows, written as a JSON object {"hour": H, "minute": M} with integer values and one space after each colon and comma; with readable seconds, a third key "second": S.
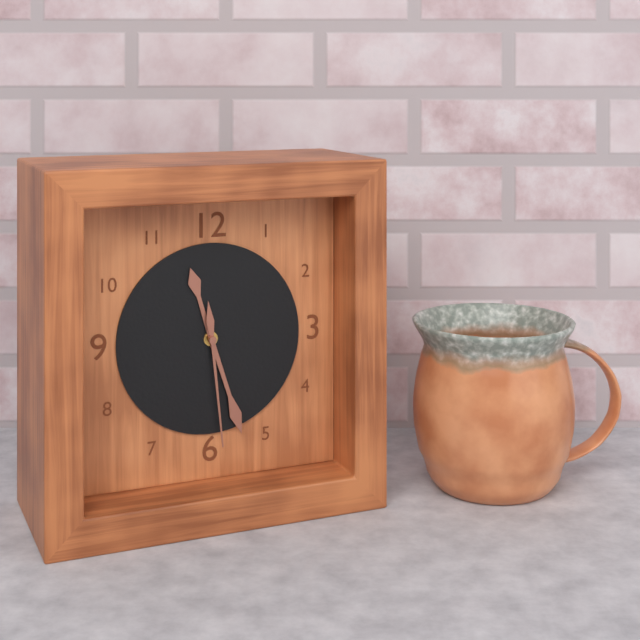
{"hour": 11, "minute": 27, "second": 29}
